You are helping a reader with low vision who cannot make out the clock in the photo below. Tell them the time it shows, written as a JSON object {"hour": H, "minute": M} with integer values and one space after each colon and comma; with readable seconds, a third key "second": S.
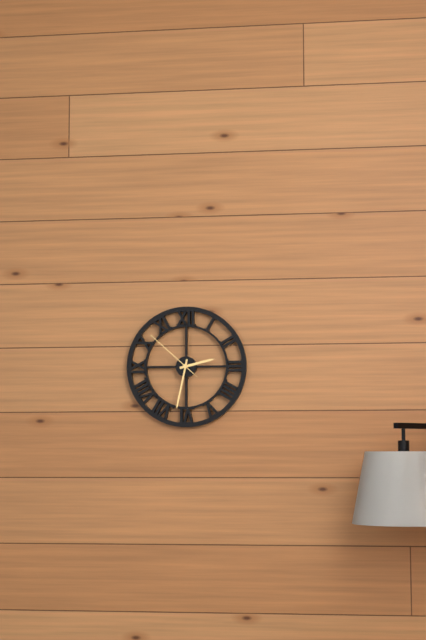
{"hour": 2, "minute": 32, "second": 52}
